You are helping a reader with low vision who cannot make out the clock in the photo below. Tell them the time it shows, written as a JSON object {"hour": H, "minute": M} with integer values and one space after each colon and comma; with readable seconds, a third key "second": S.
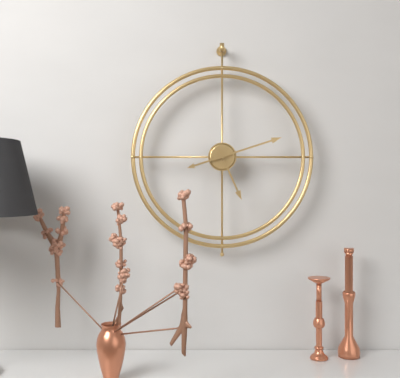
{"hour": 5, "minute": 12}
